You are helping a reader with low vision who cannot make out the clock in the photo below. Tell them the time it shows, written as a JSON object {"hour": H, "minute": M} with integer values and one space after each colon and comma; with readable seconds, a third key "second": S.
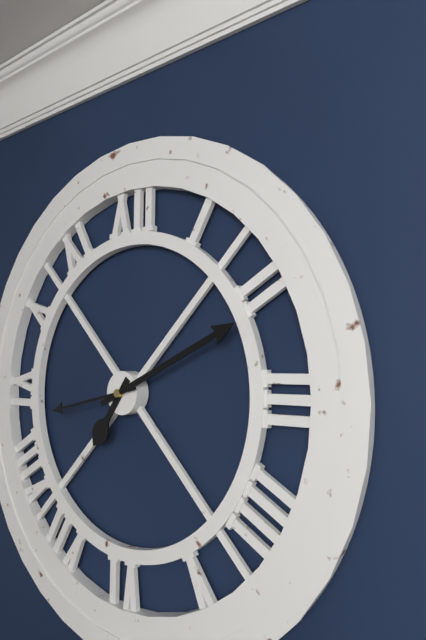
{"hour": 7, "minute": 11, "second": 43}
